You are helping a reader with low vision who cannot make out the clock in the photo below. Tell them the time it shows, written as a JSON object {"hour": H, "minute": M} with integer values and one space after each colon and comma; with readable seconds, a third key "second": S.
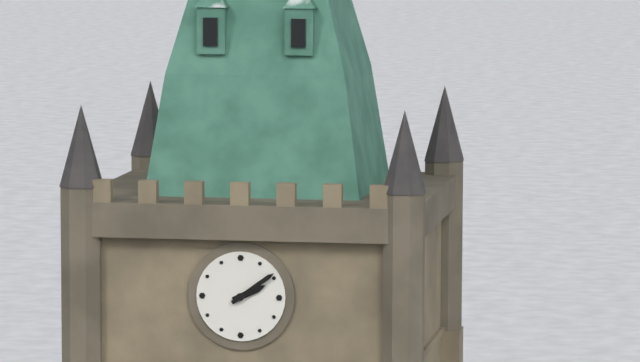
{"hour": 2, "minute": 9}
